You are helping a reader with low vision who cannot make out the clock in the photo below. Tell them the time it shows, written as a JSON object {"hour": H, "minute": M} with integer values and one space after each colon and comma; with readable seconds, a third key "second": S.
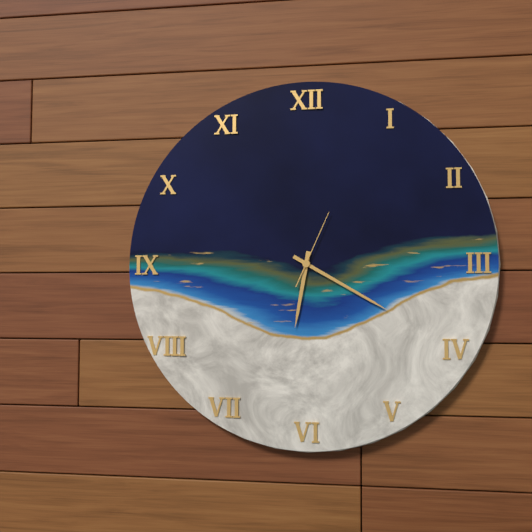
{"hour": 6, "minute": 20, "second": 4}
